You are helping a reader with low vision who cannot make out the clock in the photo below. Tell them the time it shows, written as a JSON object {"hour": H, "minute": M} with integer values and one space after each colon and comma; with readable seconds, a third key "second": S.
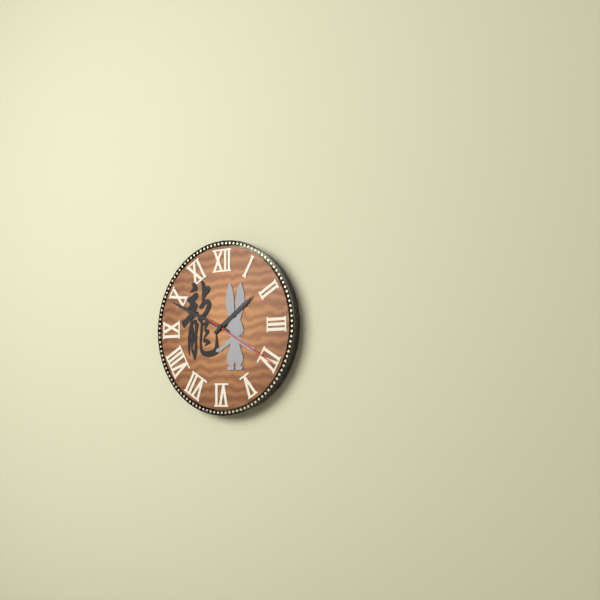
{"hour": 1, "minute": 49, "second": 20}
